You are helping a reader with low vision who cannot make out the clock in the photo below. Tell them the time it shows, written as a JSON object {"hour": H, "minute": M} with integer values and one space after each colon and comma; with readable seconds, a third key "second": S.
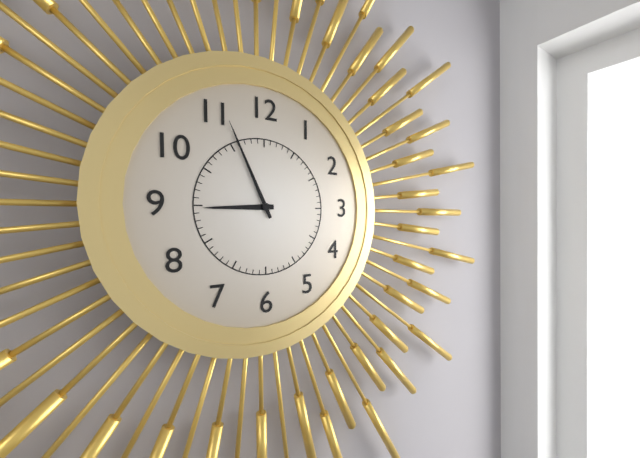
{"hour": 8, "minute": 56}
